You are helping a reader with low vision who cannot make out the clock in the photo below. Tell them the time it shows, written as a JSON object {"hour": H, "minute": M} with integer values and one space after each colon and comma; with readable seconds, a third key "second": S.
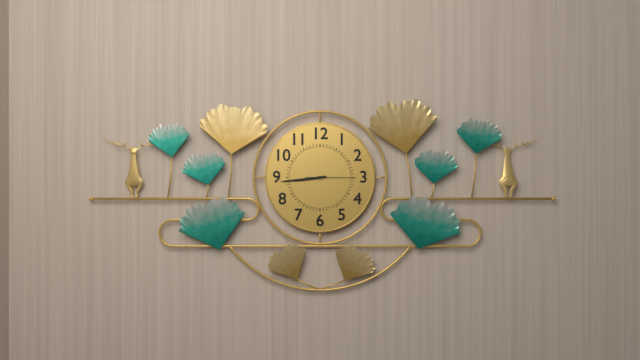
{"hour": 8, "minute": 44}
